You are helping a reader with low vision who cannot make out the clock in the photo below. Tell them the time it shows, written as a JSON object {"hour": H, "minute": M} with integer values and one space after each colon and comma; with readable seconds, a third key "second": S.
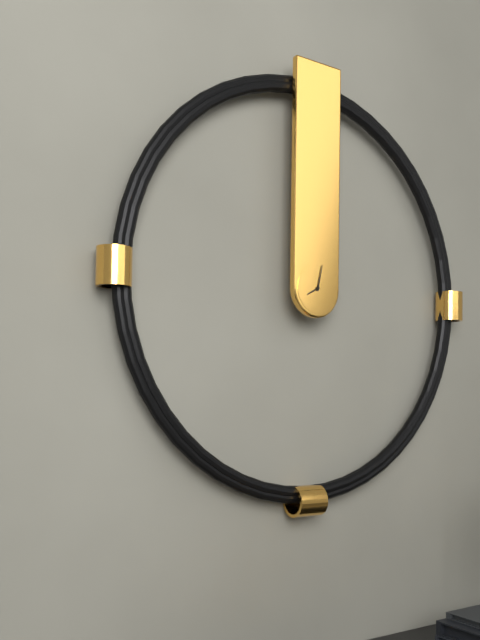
{"hour": 8, "minute": 2}
